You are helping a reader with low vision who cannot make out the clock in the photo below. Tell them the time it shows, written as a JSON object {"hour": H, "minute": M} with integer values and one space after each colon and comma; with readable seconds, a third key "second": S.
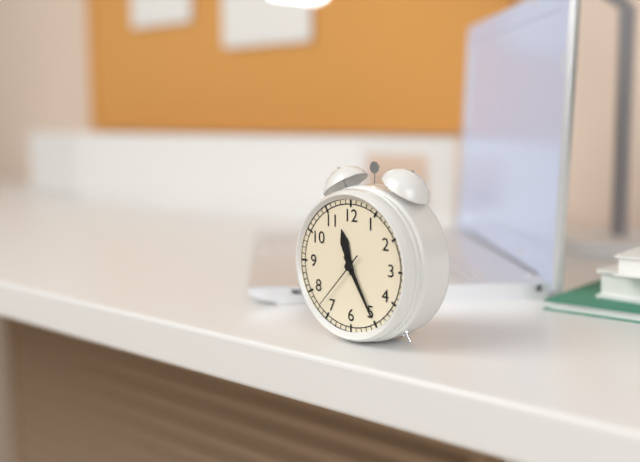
{"hour": 11, "minute": 25, "second": 37}
